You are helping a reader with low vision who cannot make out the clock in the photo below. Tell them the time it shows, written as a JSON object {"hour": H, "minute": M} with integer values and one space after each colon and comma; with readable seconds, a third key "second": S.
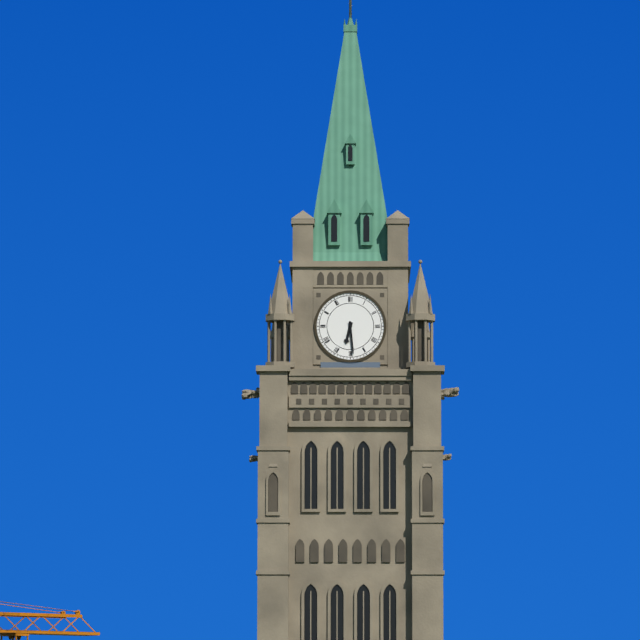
{"hour": 6, "minute": 29}
